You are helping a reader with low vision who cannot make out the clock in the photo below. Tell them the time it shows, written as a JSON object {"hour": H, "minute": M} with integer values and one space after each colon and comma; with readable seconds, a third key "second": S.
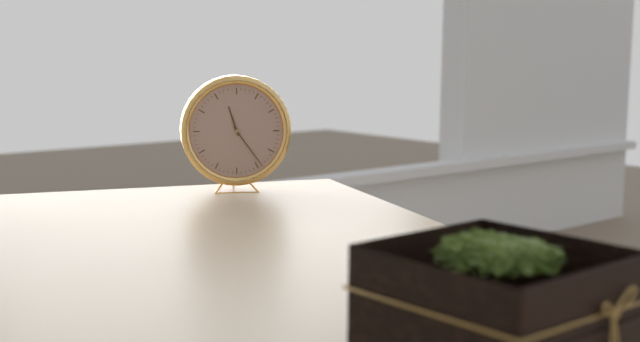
{"hour": 11, "minute": 24}
